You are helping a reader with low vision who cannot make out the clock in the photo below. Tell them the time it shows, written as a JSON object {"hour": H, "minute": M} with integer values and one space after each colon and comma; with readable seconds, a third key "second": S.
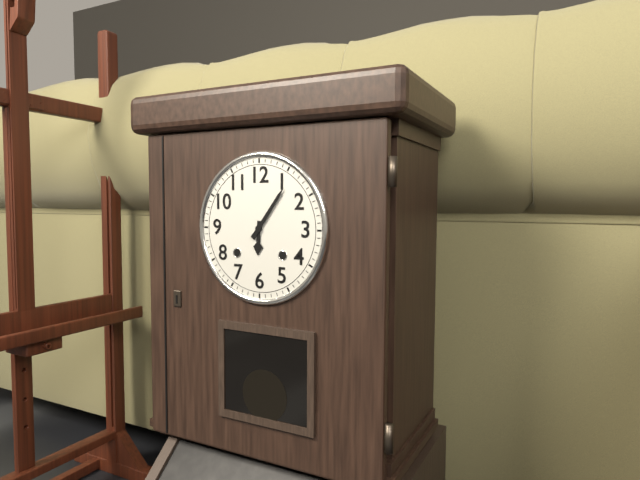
{"hour": 6, "minute": 6}
